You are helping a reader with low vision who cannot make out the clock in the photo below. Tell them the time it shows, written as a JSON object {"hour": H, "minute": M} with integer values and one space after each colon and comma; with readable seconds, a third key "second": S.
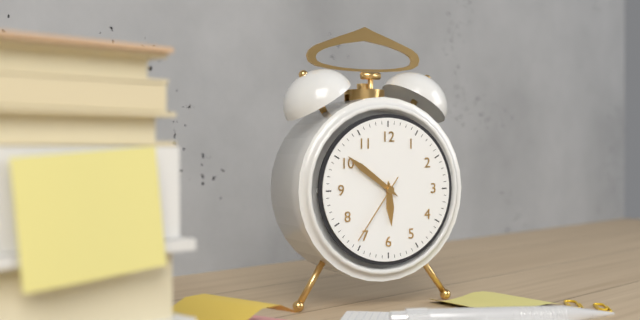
{"hour": 5, "minute": 51, "second": 36}
